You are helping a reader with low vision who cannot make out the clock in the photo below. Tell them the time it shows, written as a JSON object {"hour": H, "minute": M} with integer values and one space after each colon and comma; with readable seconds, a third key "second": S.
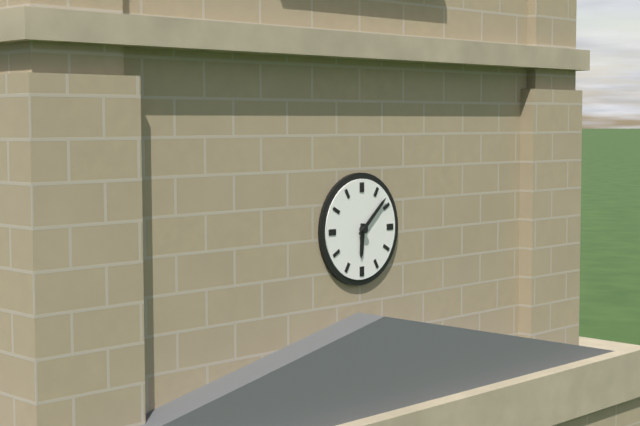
{"hour": 6, "minute": 8}
